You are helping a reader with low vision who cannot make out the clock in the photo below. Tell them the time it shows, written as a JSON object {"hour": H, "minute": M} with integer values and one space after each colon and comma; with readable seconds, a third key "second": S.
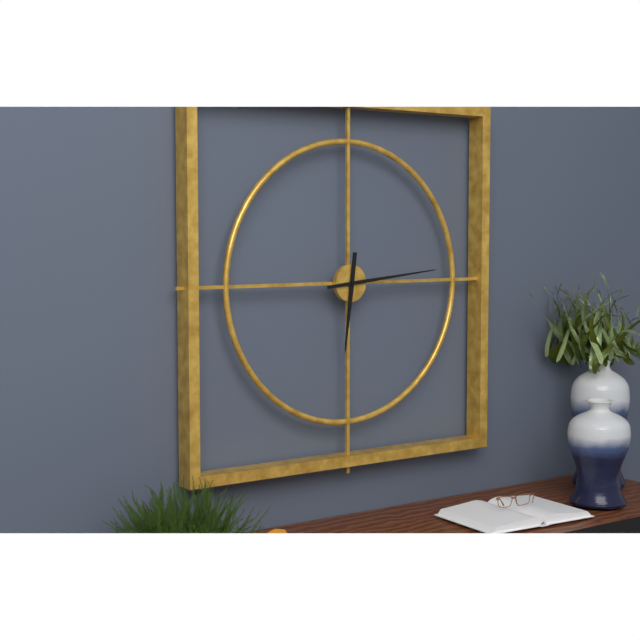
{"hour": 6, "minute": 14}
